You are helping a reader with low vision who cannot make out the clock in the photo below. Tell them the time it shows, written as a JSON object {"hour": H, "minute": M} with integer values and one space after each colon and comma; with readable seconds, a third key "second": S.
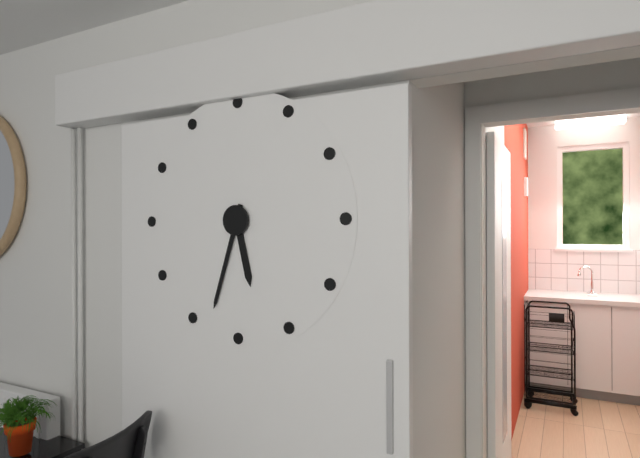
{"hour": 5, "minute": 33}
